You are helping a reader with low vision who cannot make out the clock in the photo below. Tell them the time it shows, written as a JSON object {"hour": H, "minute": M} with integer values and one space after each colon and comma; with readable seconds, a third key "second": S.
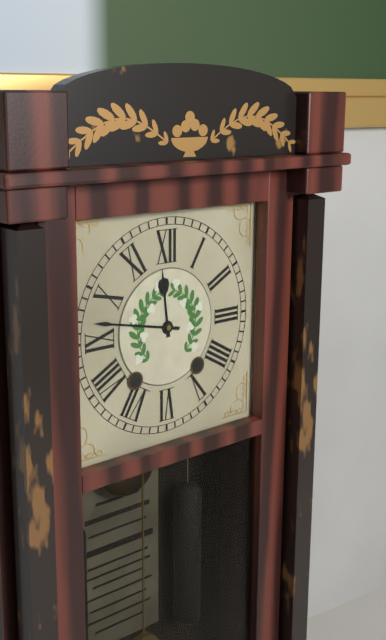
{"hour": 11, "minute": 47}
